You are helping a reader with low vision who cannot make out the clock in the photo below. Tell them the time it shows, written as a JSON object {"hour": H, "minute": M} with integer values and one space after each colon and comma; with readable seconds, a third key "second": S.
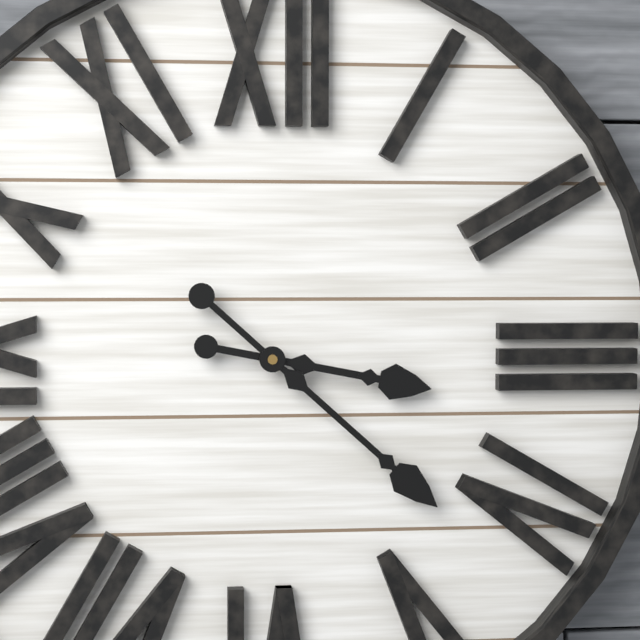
{"hour": 3, "minute": 22}
